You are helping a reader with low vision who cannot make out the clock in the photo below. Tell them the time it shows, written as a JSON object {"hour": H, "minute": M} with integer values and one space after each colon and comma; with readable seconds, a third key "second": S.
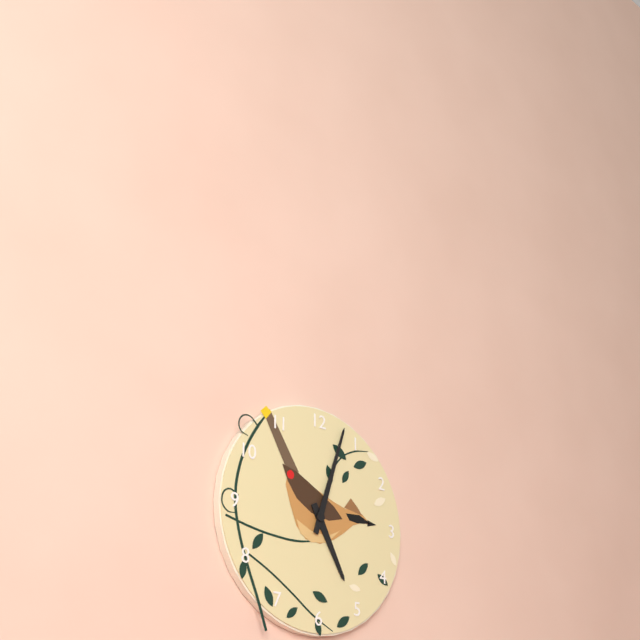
{"hour": 5, "minute": 3}
